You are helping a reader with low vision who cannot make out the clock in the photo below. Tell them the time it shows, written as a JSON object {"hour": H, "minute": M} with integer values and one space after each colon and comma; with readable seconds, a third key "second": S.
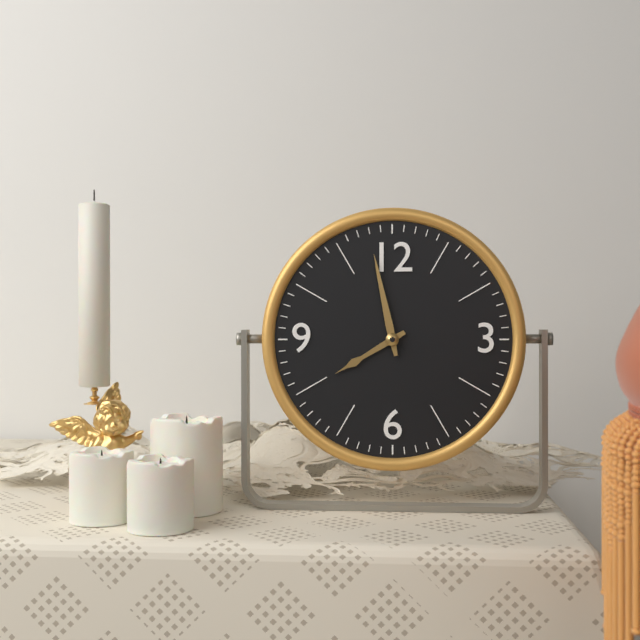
{"hour": 7, "minute": 58}
